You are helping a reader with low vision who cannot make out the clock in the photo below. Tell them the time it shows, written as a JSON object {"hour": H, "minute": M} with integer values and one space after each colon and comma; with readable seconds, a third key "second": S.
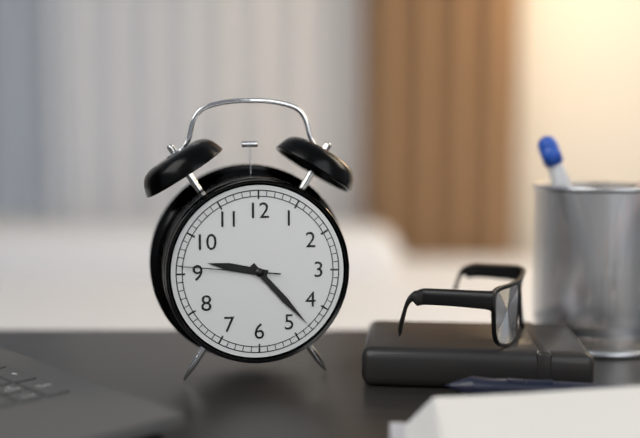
{"hour": 9, "minute": 23, "second": 46}
